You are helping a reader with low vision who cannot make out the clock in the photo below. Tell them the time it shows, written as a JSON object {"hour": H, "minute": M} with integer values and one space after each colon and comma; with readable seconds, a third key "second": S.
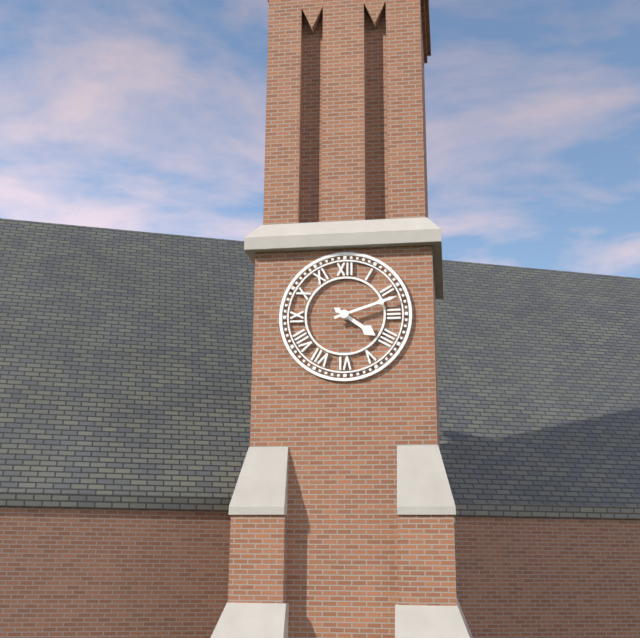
{"hour": 4, "minute": 12}
